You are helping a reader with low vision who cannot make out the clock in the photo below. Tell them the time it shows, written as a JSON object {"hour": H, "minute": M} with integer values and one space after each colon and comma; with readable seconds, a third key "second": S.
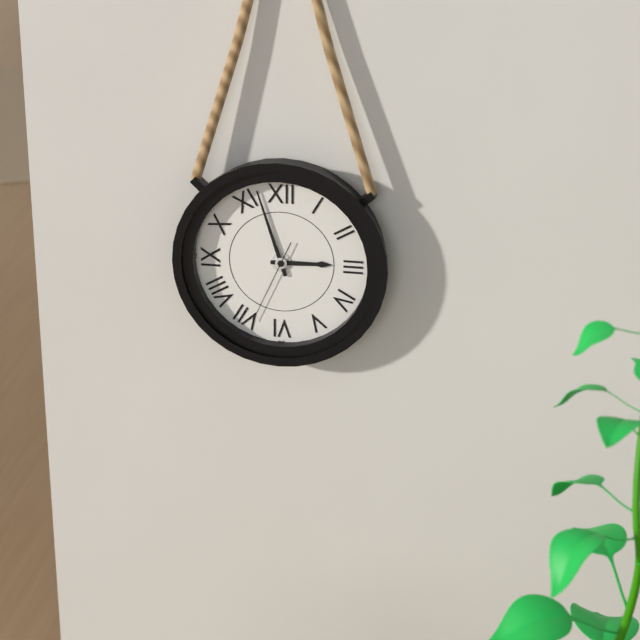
{"hour": 2, "minute": 57, "second": 34}
